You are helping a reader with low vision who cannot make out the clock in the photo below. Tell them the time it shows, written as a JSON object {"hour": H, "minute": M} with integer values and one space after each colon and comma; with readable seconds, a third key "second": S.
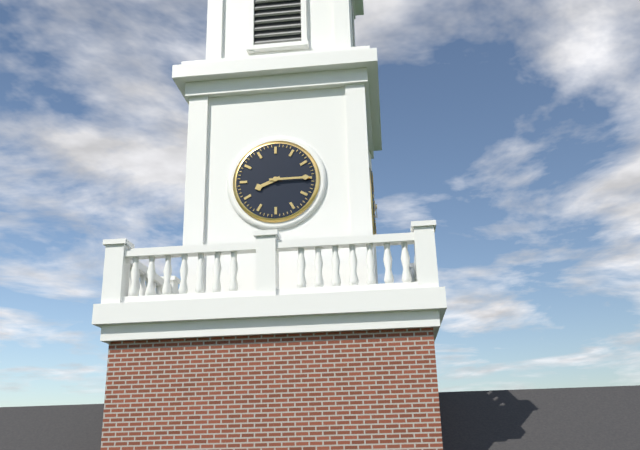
{"hour": 8, "minute": 15}
